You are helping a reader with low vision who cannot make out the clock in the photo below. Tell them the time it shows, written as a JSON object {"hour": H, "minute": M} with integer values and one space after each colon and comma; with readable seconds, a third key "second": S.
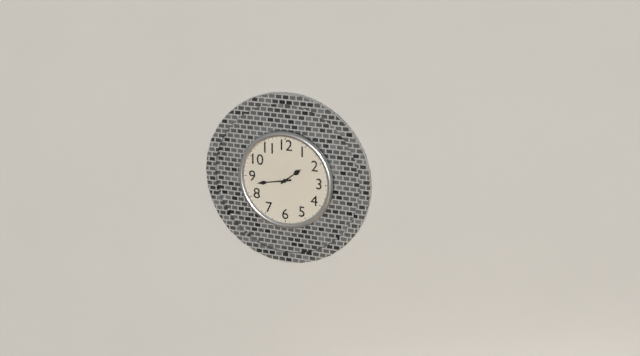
{"hour": 1, "minute": 43}
